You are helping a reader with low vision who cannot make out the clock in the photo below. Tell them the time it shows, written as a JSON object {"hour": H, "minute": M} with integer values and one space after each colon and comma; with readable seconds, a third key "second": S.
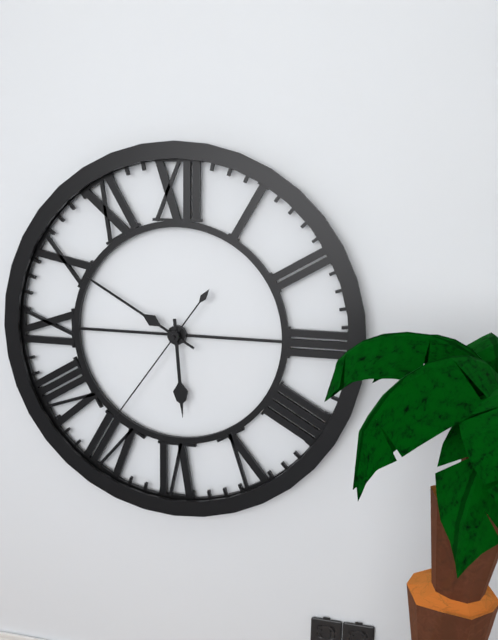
{"hour": 5, "minute": 50, "second": 36}
